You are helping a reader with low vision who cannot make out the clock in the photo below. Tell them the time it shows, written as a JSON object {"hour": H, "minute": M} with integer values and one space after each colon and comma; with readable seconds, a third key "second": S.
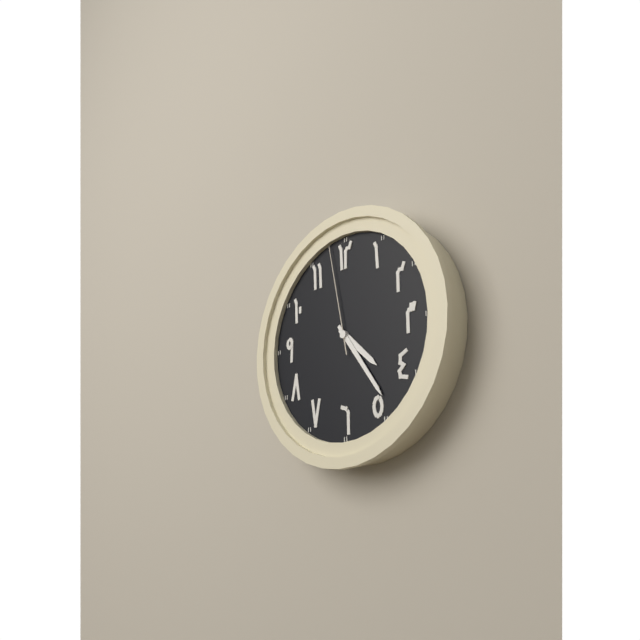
{"hour": 4, "minute": 24, "second": 58}
